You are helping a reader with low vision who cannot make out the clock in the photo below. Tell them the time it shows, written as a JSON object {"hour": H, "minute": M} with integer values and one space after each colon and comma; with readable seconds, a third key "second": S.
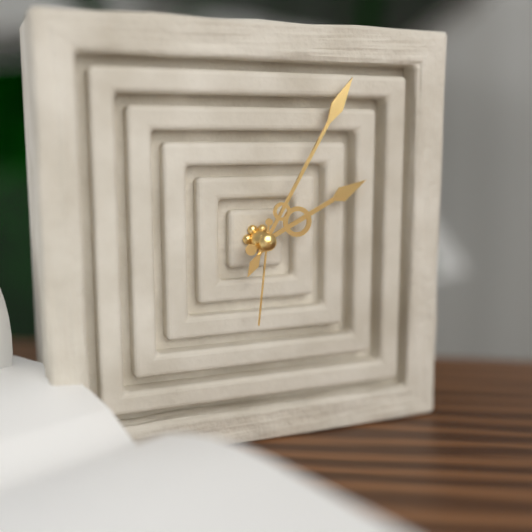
{"hour": 2, "minute": 5, "second": 31}
